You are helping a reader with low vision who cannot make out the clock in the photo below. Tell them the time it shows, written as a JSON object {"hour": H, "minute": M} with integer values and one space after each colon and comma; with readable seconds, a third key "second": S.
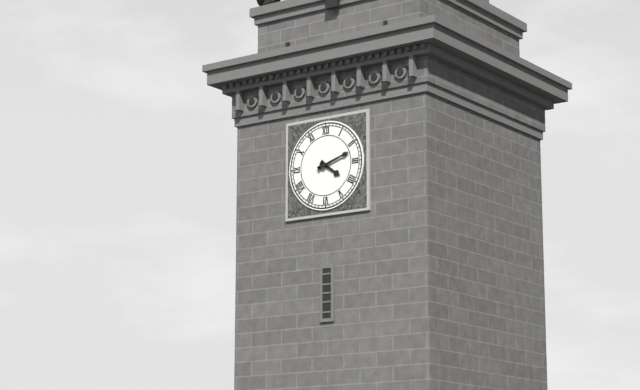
{"hour": 4, "minute": 12}
